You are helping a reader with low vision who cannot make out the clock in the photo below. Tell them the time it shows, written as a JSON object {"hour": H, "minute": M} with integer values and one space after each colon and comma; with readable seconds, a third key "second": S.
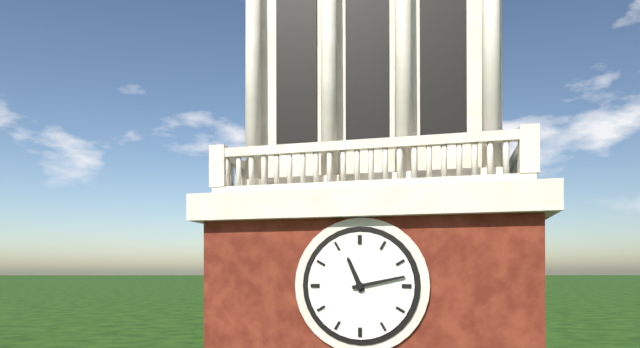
{"hour": 11, "minute": 13}
